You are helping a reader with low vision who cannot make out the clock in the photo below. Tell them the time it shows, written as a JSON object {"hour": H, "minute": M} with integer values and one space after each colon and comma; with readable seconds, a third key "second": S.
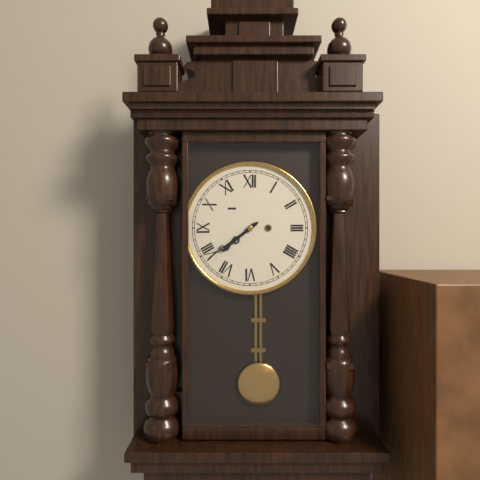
{"hour": 7, "minute": 39}
